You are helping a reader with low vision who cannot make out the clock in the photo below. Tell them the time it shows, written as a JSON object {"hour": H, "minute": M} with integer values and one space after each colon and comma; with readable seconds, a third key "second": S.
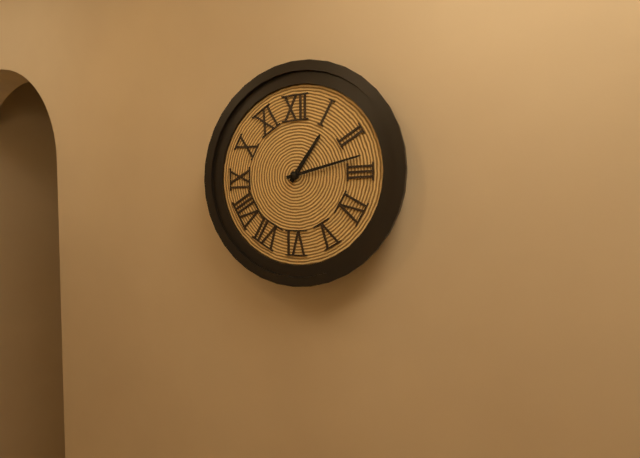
{"hour": 1, "minute": 13}
